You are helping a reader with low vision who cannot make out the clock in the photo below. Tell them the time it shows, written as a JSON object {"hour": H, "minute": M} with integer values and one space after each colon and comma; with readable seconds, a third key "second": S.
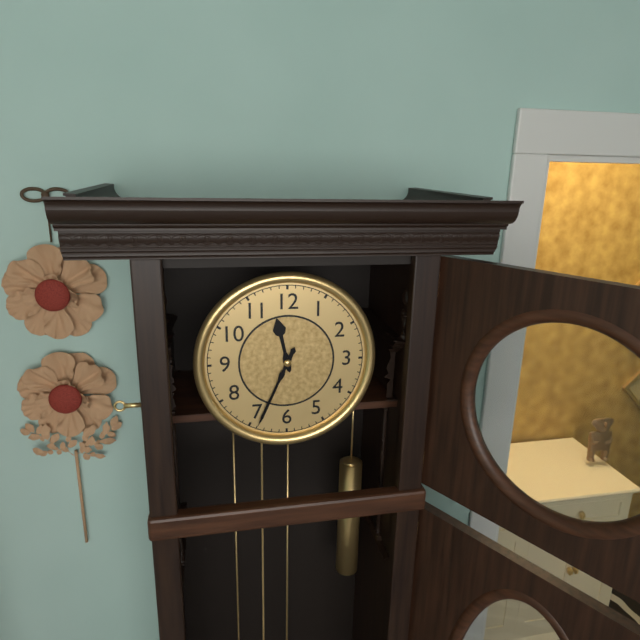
{"hour": 11, "minute": 34}
